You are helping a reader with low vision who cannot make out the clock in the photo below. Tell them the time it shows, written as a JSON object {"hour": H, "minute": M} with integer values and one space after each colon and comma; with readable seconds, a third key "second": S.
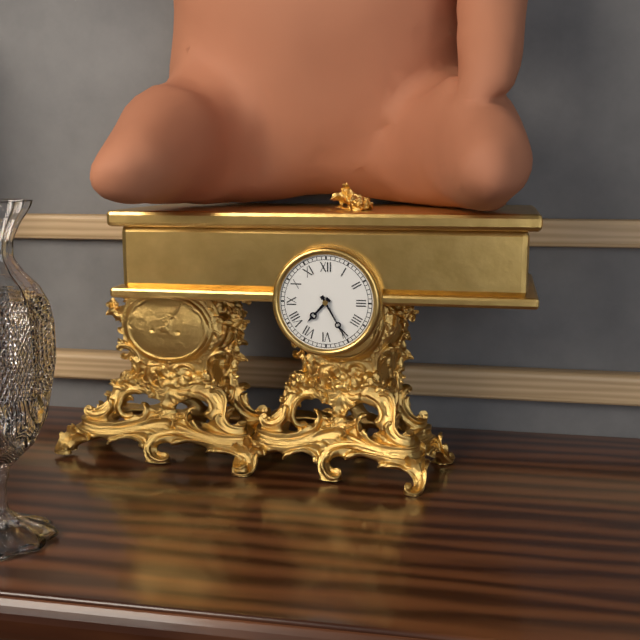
{"hour": 7, "minute": 25}
